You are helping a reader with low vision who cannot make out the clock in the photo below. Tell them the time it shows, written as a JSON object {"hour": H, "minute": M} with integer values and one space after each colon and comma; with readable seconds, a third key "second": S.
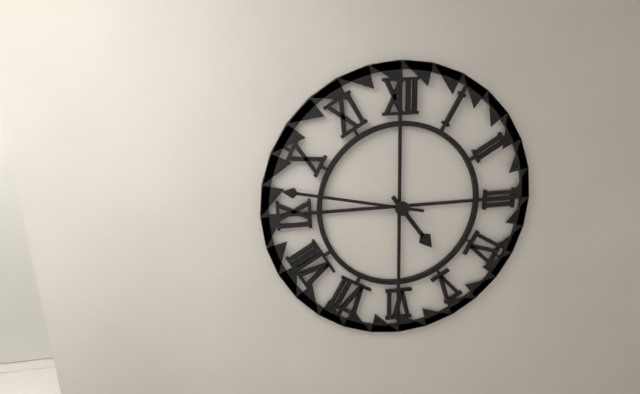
{"hour": 4, "minute": 47}
